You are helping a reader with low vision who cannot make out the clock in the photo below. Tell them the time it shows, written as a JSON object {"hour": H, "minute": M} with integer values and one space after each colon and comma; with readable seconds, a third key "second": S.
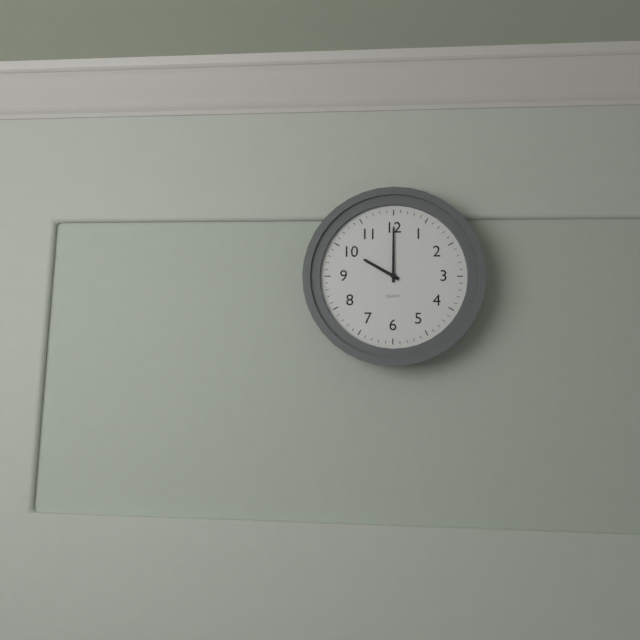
{"hour": 10, "minute": 0}
